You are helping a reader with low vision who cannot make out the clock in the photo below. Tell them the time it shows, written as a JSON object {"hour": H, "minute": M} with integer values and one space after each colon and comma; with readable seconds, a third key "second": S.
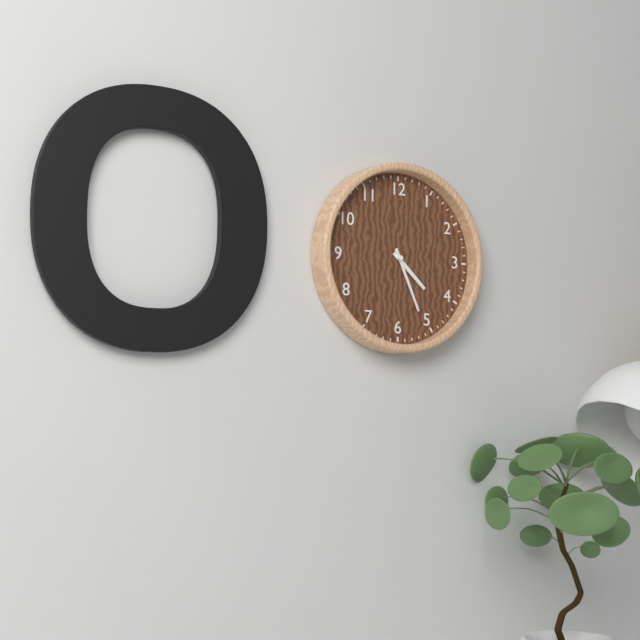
{"hour": 4, "minute": 26}
